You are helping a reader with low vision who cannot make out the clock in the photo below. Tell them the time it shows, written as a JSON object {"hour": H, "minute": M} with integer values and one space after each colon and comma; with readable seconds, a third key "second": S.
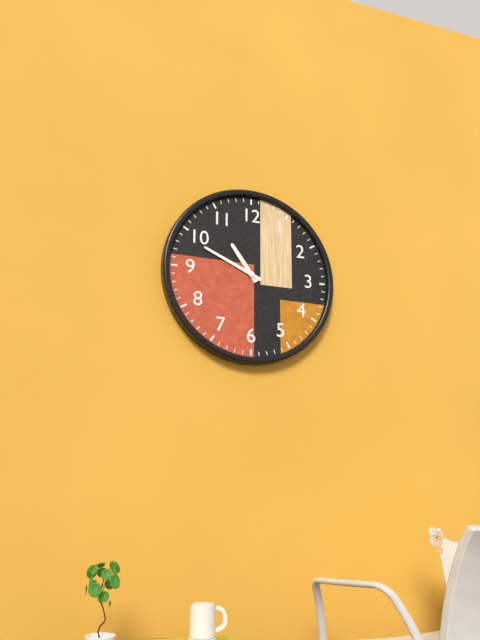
{"hour": 10, "minute": 49}
